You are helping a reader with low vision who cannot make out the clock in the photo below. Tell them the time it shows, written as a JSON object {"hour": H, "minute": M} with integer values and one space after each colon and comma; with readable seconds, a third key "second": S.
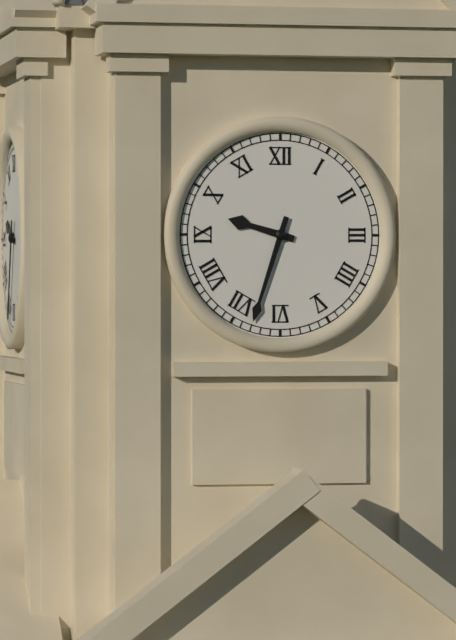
{"hour": 9, "minute": 33}
